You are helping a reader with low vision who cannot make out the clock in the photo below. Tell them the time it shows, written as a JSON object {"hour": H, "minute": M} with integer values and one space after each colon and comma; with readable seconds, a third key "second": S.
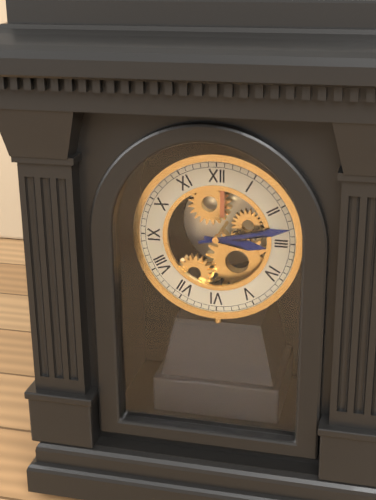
{"hour": 3, "minute": 13}
